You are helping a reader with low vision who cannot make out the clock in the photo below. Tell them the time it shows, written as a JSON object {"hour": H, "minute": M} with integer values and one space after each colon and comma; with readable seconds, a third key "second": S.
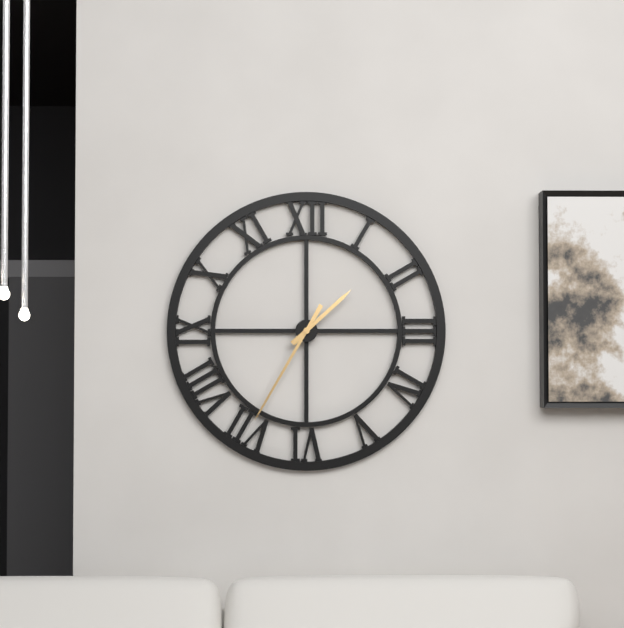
{"hour": 1, "minute": 35}
